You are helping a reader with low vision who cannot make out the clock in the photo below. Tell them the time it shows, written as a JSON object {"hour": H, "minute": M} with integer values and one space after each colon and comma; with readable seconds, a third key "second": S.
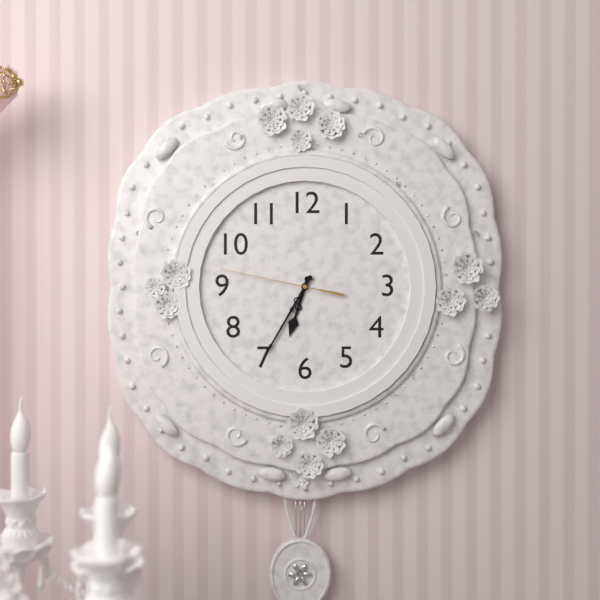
{"hour": 6, "minute": 35, "second": 47}
